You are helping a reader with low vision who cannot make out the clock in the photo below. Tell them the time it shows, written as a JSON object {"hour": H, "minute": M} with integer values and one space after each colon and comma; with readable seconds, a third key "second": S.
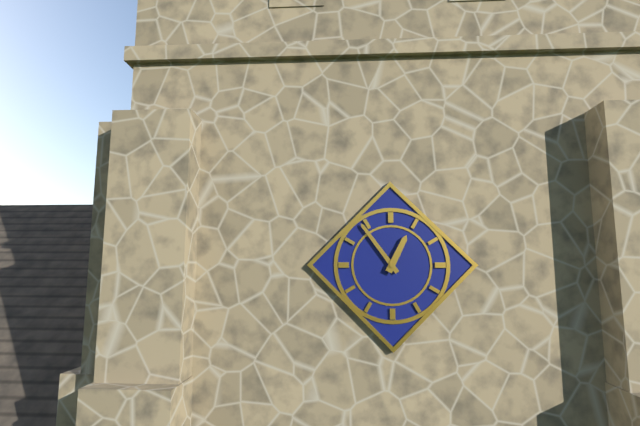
{"hour": 12, "minute": 54}
